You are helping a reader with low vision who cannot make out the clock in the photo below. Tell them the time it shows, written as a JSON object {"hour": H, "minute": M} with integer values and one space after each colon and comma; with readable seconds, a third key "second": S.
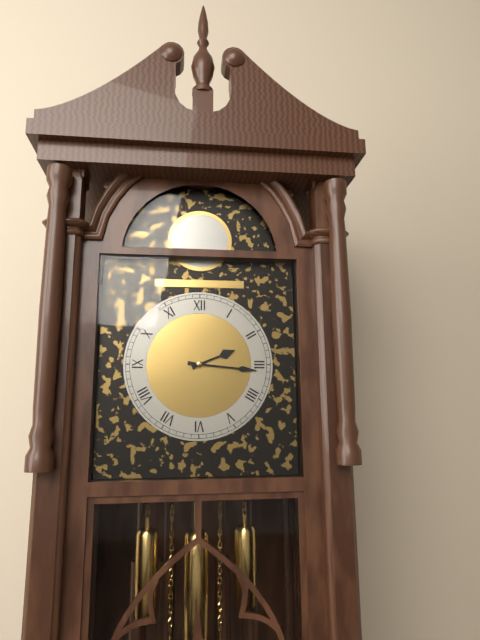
{"hour": 2, "minute": 16}
